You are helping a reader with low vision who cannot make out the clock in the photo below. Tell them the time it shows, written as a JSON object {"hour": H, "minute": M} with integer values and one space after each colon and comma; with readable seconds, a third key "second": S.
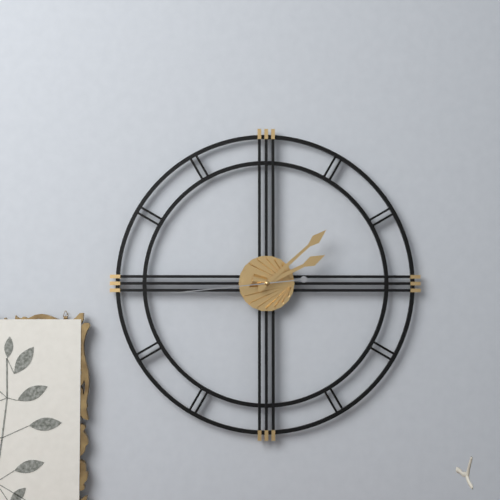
{"hour": 2, "minute": 8, "second": 44}
